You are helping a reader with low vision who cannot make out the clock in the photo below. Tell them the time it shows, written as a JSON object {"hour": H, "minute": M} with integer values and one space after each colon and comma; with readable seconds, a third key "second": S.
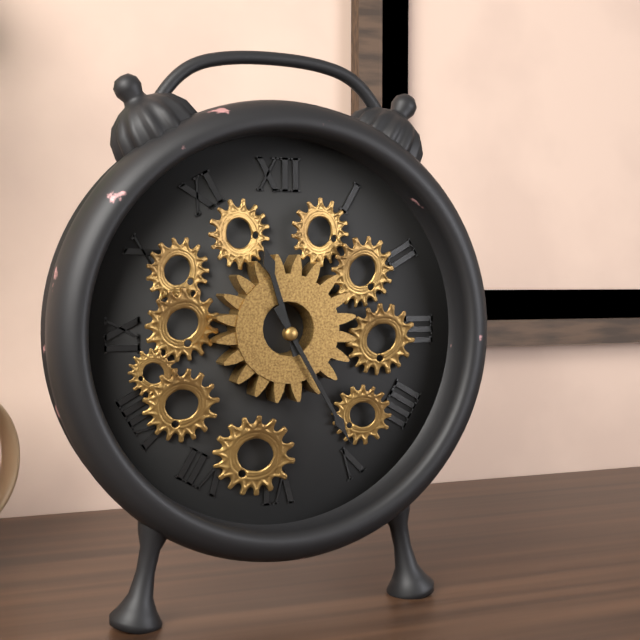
{"hour": 11, "minute": 25}
